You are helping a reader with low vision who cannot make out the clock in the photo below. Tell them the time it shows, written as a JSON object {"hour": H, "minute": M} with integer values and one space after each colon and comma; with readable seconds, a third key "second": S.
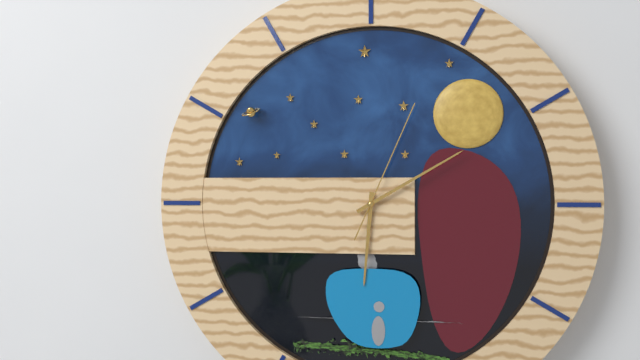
{"hour": 6, "minute": 10, "second": 4}
